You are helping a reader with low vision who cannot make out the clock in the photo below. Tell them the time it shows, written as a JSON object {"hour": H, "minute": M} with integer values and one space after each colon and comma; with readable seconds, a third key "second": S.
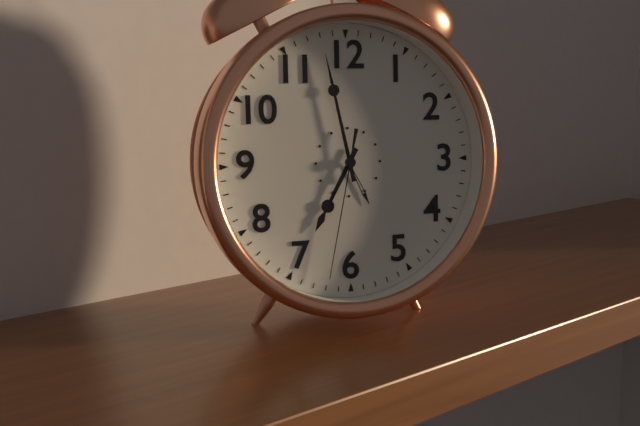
{"hour": 6, "minute": 58, "second": 32}
